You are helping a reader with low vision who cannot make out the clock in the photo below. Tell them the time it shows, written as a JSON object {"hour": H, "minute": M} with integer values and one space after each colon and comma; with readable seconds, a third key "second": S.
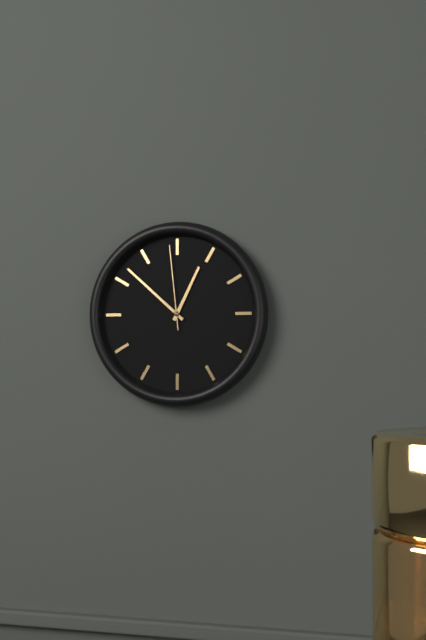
{"hour": 12, "minute": 52, "second": 59}
